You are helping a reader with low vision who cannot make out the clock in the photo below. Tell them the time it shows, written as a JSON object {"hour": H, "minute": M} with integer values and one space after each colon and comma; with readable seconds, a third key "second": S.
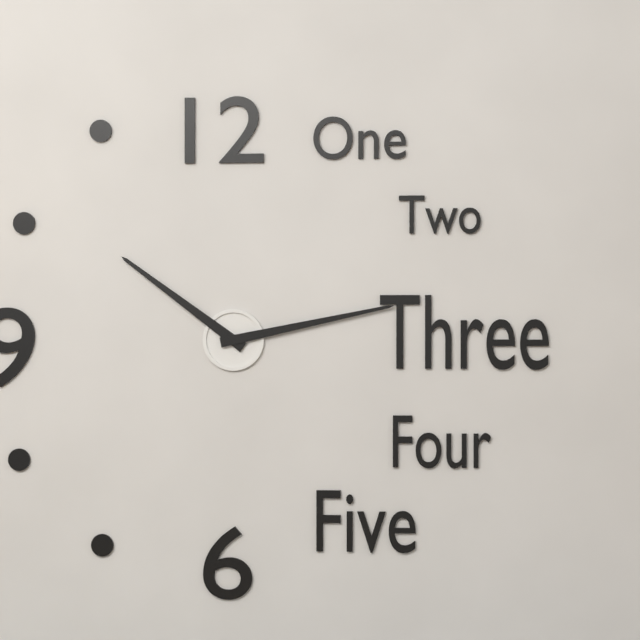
{"hour": 10, "minute": 13}
